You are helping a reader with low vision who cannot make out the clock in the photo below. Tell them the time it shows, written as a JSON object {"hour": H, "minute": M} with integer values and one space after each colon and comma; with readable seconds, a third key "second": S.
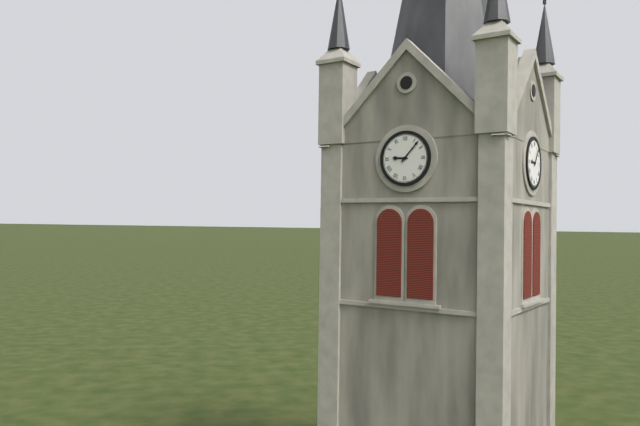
{"hour": 9, "minute": 7}
